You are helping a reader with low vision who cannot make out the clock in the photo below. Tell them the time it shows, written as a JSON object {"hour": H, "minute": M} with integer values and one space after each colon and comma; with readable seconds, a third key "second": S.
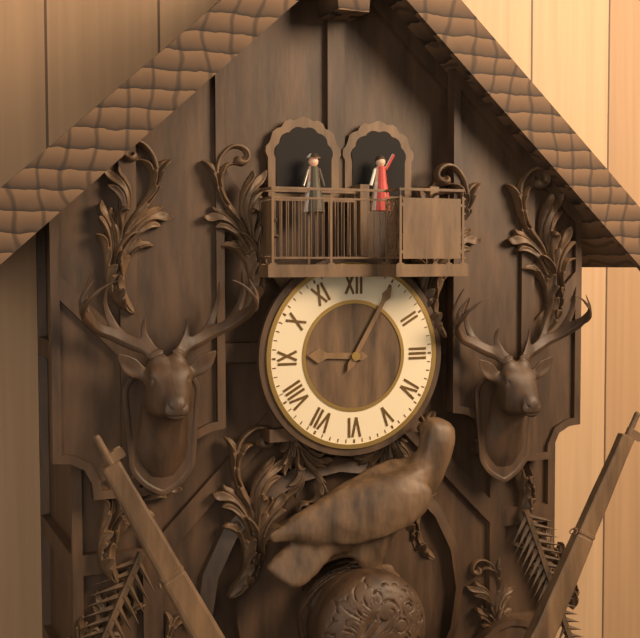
{"hour": 9, "minute": 5}
